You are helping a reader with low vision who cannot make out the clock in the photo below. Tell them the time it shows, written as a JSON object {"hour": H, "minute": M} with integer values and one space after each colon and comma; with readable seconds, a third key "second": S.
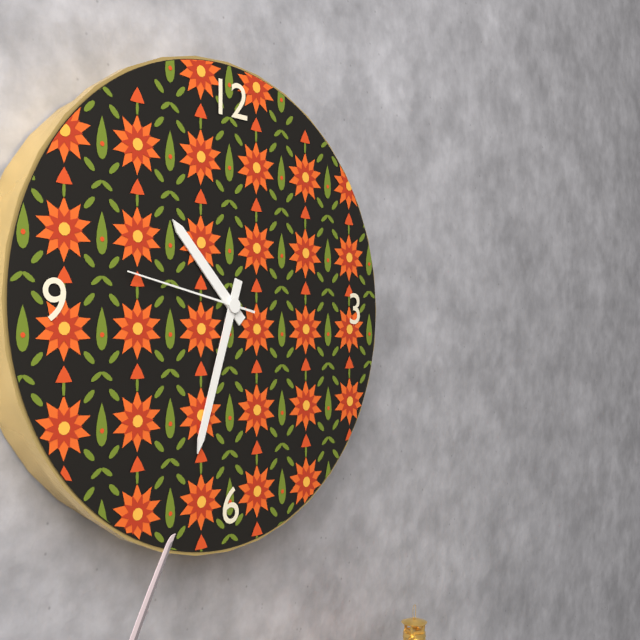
{"hour": 10, "minute": 33, "second": 47}
